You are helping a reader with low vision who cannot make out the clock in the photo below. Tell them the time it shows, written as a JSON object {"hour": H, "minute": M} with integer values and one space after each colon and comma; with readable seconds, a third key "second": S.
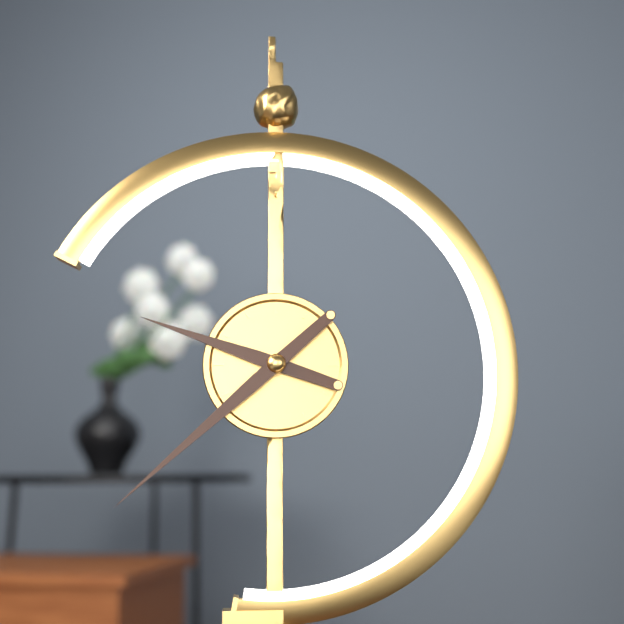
{"hour": 9, "minute": 38}
